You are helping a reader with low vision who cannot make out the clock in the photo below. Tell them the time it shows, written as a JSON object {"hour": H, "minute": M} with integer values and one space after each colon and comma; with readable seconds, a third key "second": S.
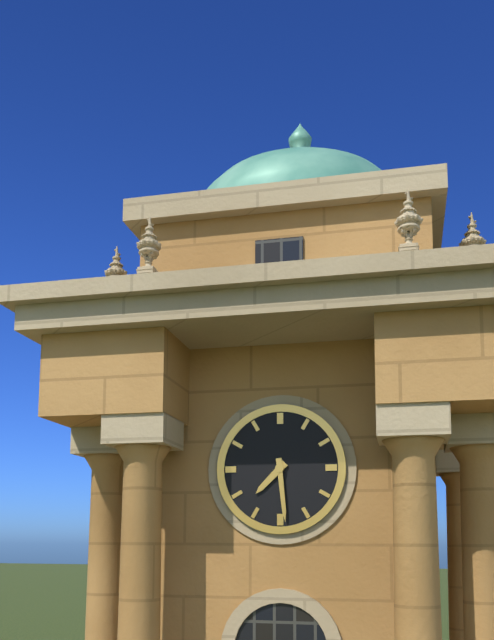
{"hour": 7, "minute": 29}
